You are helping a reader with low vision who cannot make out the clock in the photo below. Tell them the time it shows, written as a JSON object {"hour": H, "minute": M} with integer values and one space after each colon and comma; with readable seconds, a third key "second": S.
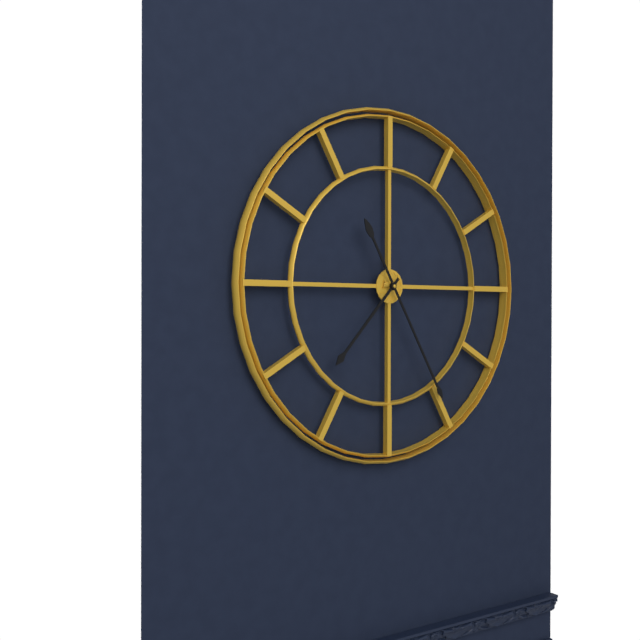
{"hour": 7, "minute": 25}
